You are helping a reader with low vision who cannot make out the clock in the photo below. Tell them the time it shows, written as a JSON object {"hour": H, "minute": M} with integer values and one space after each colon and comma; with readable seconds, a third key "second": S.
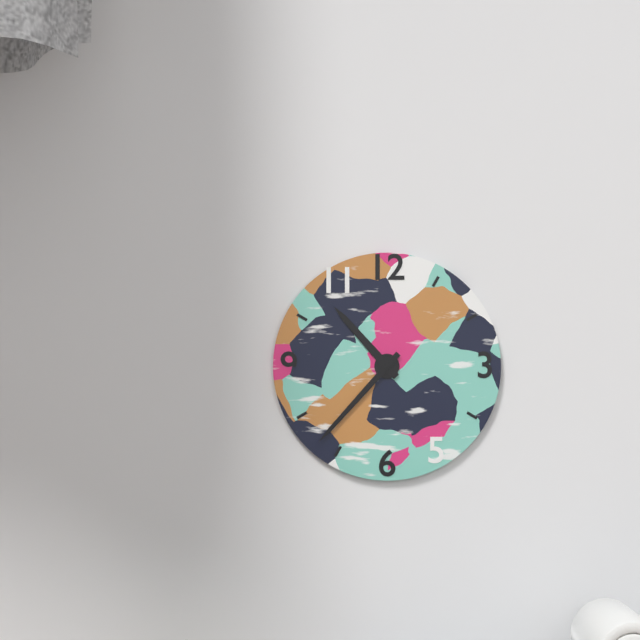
{"hour": 10, "minute": 37}
